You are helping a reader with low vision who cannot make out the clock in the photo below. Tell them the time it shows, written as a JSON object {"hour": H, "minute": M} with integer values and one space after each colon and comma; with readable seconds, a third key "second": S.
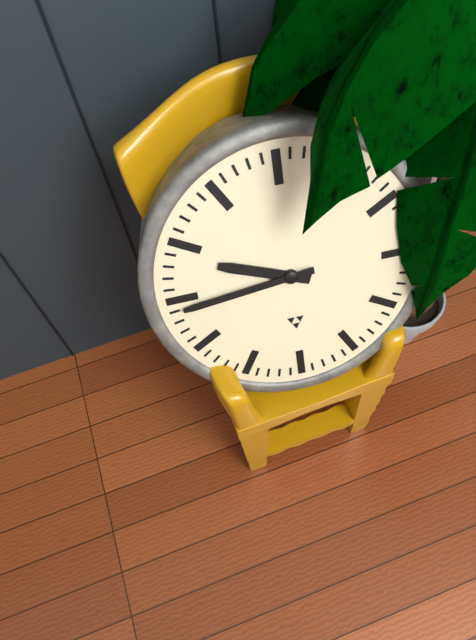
{"hour": 9, "minute": 44}
